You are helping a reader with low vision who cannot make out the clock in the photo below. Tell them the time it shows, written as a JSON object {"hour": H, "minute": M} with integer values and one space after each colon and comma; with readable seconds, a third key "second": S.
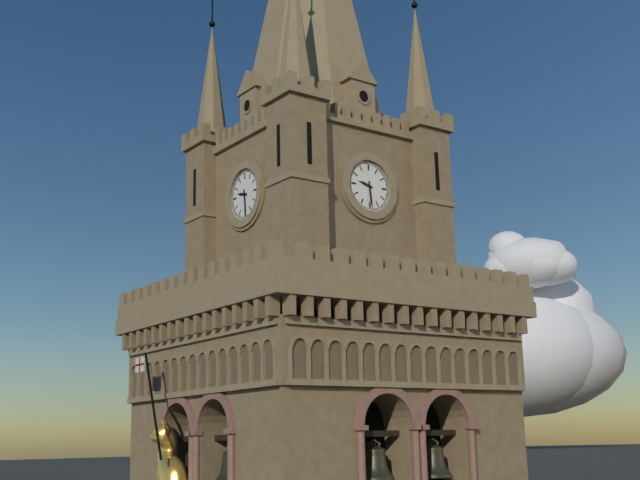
{"hour": 9, "minute": 29}
